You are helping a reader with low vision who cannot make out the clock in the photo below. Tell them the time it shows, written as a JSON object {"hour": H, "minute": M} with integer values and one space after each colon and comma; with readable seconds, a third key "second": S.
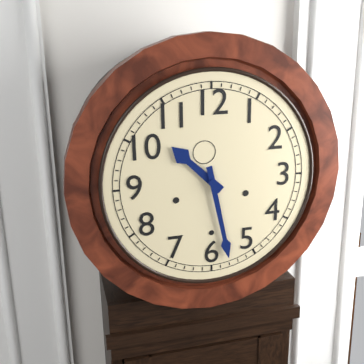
{"hour": 10, "minute": 28}
